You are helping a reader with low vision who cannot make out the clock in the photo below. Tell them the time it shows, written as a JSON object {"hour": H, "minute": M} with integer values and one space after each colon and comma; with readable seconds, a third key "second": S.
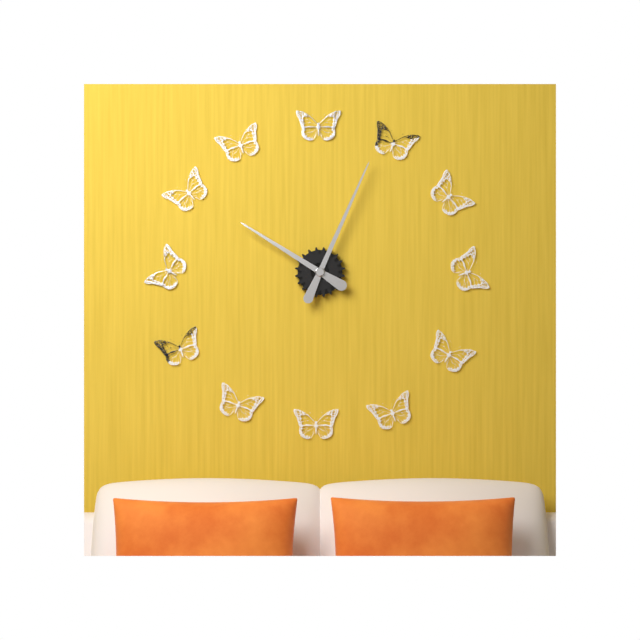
{"hour": 10, "minute": 4}
